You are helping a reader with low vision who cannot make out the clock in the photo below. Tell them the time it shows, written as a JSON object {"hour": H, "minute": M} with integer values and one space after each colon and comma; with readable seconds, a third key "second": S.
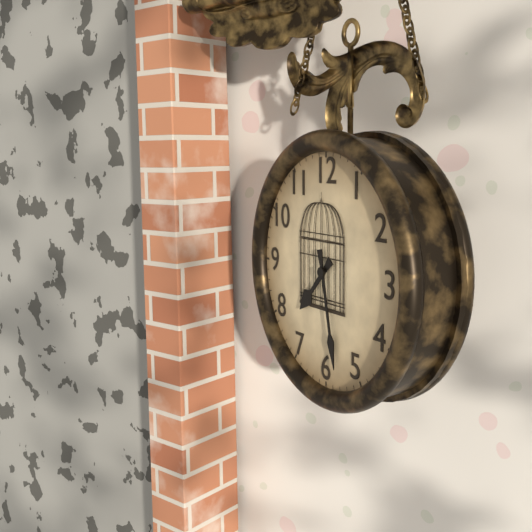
{"hour": 7, "minute": 28}
